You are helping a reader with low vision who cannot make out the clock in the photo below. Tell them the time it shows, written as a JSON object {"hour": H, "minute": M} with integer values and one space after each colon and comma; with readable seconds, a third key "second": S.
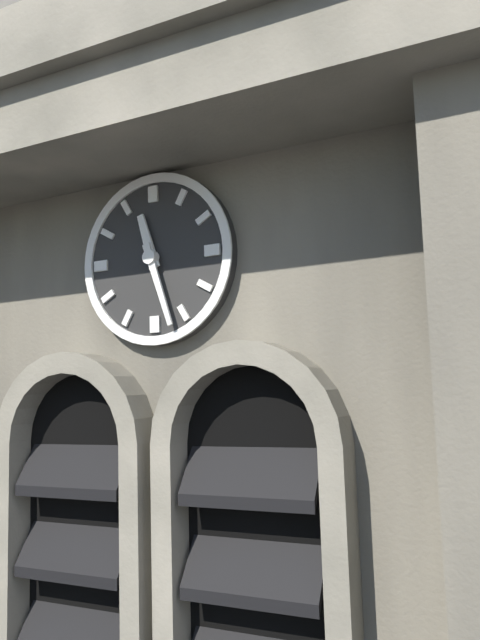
{"hour": 11, "minute": 27}
